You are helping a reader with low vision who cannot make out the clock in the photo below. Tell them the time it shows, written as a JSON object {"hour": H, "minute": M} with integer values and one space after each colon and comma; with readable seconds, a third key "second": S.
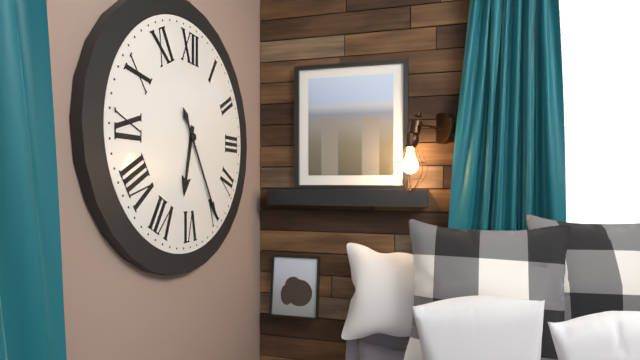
{"hour": 6, "minute": 25}
